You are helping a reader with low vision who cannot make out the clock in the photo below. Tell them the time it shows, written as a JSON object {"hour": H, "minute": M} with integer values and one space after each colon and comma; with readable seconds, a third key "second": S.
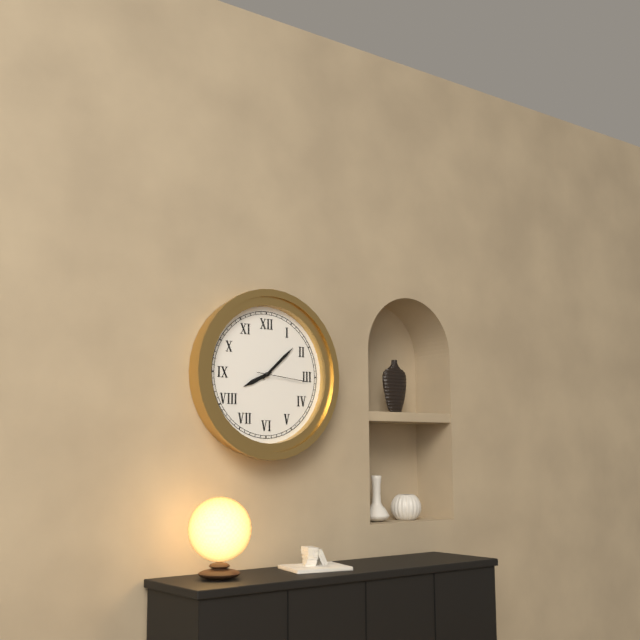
{"hour": 8, "minute": 8}
